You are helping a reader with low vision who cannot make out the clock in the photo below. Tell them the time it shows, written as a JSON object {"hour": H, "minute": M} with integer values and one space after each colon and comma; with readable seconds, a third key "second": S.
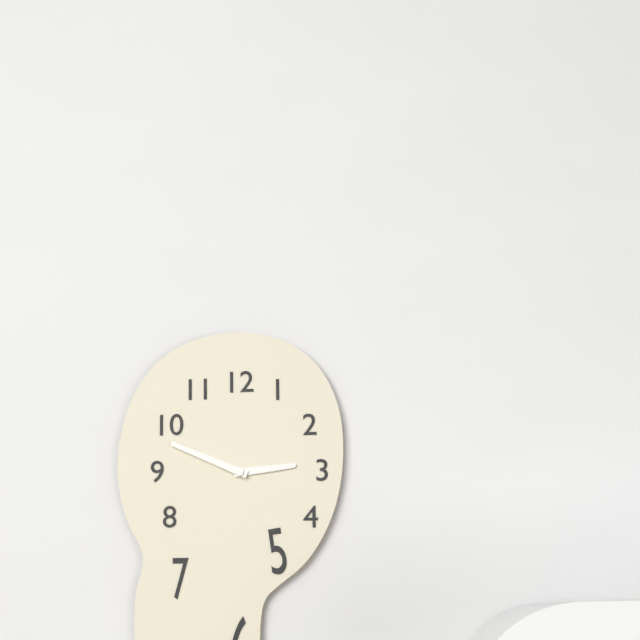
{"hour": 2, "minute": 49}
